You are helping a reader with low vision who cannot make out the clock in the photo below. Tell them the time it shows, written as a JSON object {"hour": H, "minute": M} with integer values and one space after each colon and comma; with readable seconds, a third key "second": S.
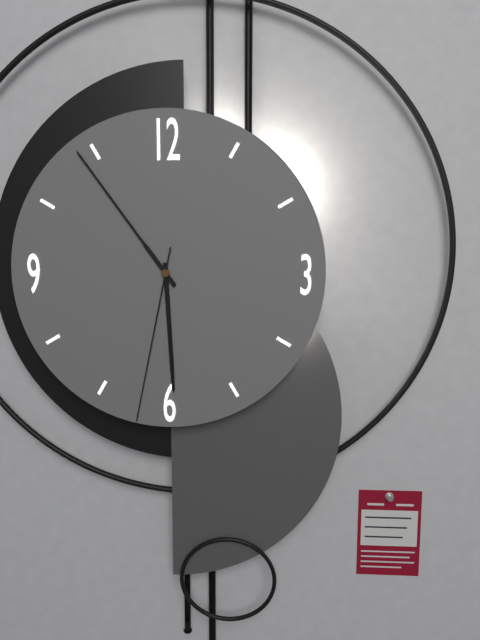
{"hour": 5, "minute": 54, "second": 32}
